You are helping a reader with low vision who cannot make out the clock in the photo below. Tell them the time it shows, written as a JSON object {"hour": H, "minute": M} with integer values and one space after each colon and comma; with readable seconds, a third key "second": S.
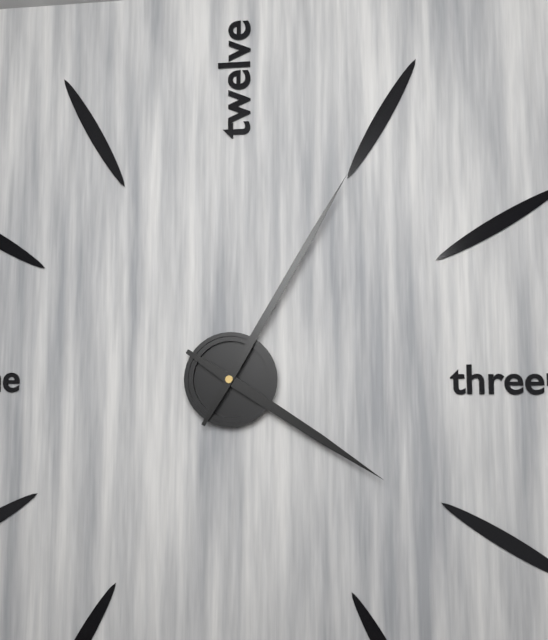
{"hour": 4, "minute": 5}
